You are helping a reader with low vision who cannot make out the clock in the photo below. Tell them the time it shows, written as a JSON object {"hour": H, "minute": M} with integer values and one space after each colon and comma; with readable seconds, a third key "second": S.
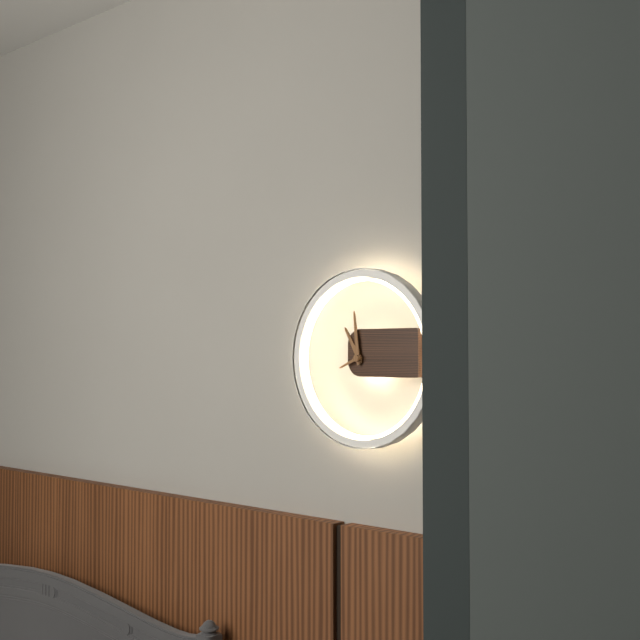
{"hour": 10, "minute": 59, "second": 41}
